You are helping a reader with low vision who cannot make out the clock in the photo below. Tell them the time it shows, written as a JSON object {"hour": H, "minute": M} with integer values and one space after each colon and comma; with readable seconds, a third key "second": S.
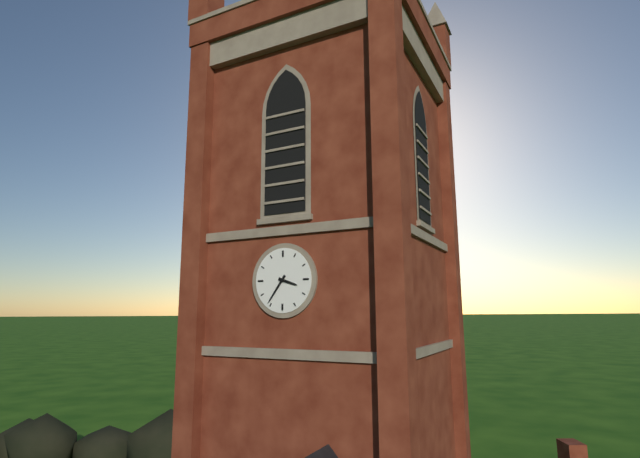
{"hour": 3, "minute": 36}
